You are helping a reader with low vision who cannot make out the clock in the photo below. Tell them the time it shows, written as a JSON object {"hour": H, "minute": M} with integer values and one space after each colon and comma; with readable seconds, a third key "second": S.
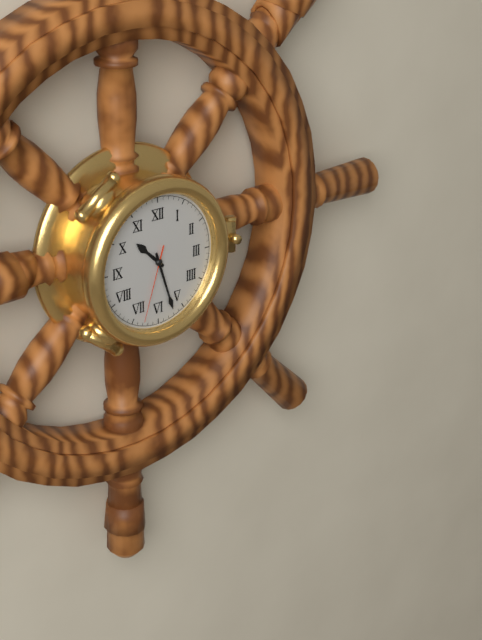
{"hour": 10, "minute": 27, "second": 33}
